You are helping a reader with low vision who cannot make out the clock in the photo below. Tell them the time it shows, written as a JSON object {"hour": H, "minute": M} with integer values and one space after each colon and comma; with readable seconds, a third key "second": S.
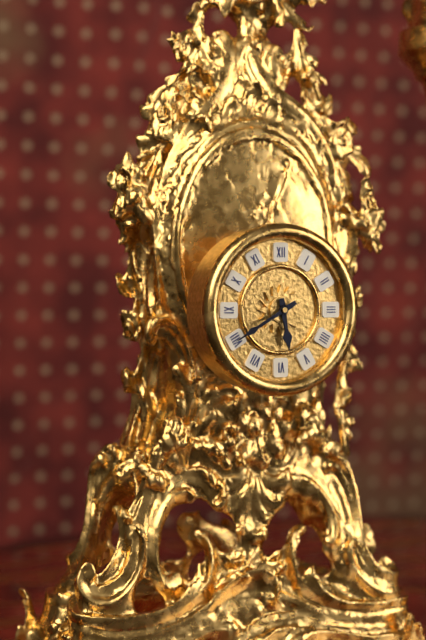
{"hour": 5, "minute": 40}
